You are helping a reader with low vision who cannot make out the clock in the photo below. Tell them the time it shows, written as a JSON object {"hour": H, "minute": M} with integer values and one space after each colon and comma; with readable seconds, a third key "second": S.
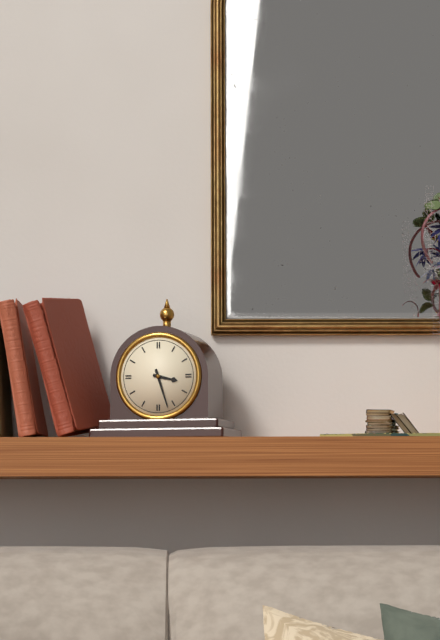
{"hour": 3, "minute": 27}
